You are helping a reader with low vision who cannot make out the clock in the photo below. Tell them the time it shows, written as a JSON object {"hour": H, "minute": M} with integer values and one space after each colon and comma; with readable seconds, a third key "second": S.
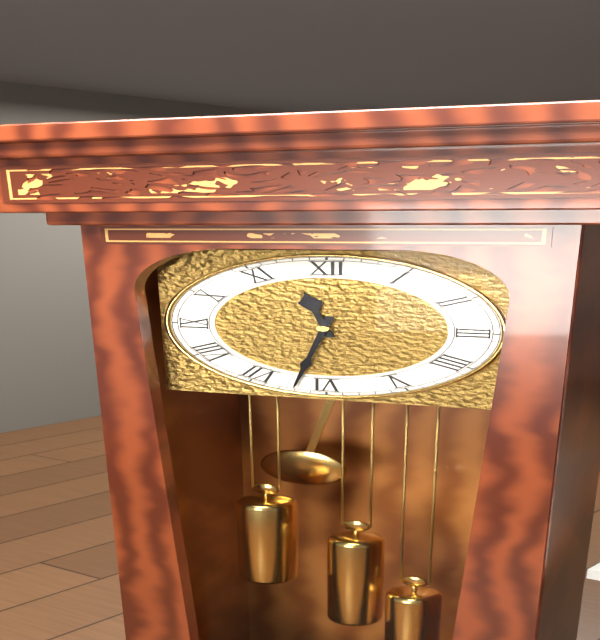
{"hour": 11, "minute": 32}
